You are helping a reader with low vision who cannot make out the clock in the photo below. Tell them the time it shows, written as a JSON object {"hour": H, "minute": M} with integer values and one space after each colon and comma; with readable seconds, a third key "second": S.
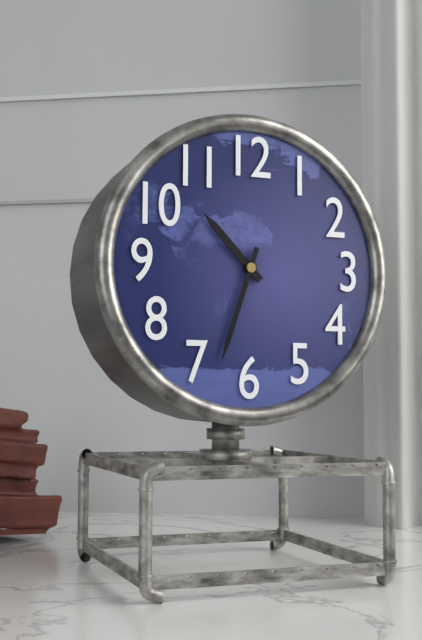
{"hour": 10, "minute": 33}
